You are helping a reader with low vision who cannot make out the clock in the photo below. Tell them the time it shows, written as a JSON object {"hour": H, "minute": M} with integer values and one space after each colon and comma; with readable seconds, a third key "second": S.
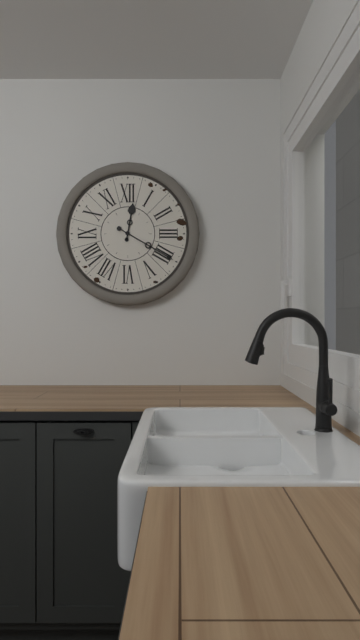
{"hour": 12, "minute": 20}
